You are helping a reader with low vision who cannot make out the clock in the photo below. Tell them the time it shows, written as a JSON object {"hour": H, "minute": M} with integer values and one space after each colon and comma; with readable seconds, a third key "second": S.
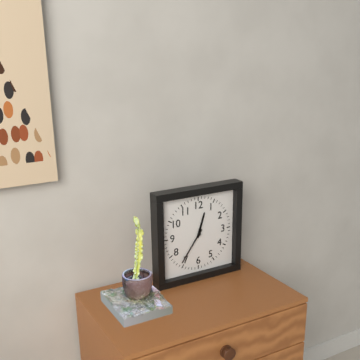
{"hour": 12, "minute": 36}
